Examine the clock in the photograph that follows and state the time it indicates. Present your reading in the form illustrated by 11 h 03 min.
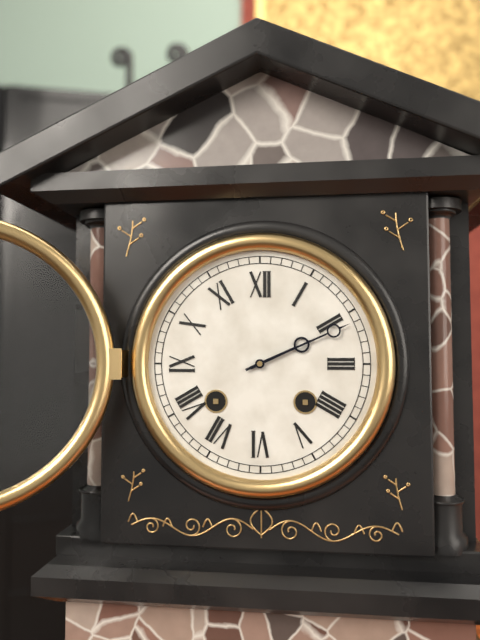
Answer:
2 h 11 min
